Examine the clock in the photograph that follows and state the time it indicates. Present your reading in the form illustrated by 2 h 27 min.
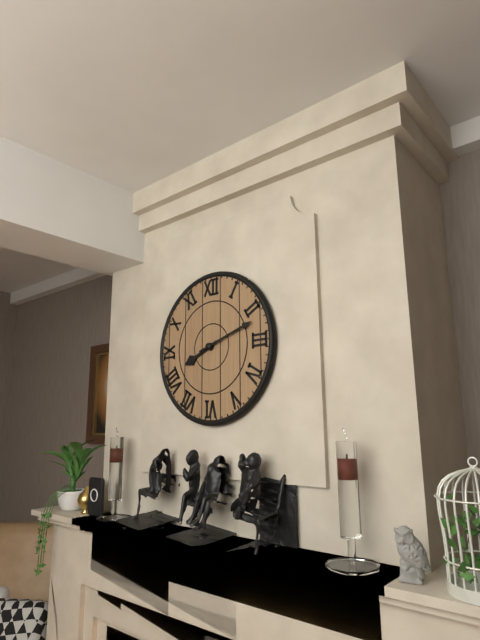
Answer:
8 h 12 min
